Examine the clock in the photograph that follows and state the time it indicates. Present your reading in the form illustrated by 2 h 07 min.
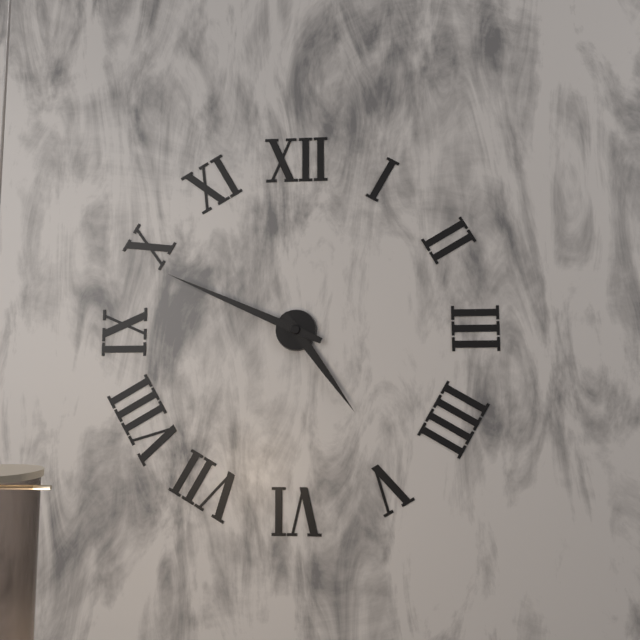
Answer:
4 h 49 min
